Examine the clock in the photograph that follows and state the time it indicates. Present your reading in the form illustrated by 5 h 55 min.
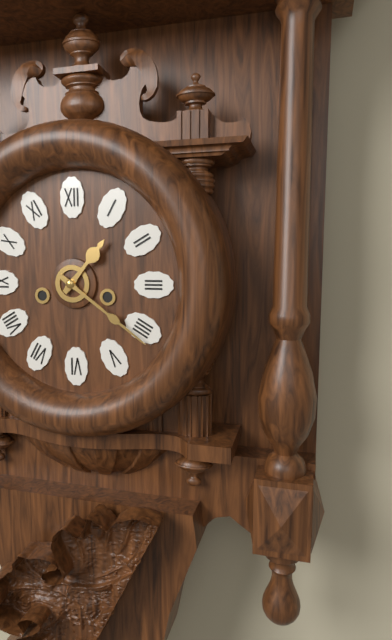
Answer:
1 h 21 min
